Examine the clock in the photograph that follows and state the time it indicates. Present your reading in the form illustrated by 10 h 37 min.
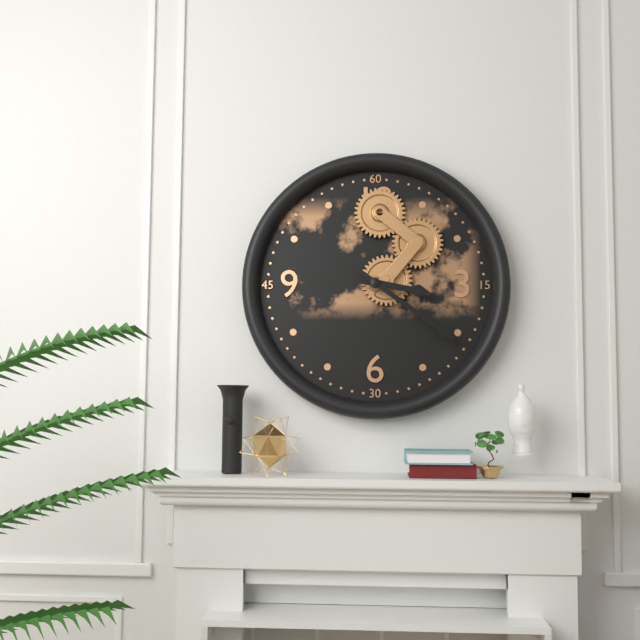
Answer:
3 h 21 min
